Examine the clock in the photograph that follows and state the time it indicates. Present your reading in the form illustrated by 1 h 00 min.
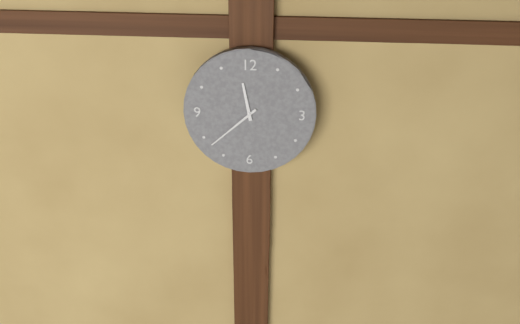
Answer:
11 h 38 min
